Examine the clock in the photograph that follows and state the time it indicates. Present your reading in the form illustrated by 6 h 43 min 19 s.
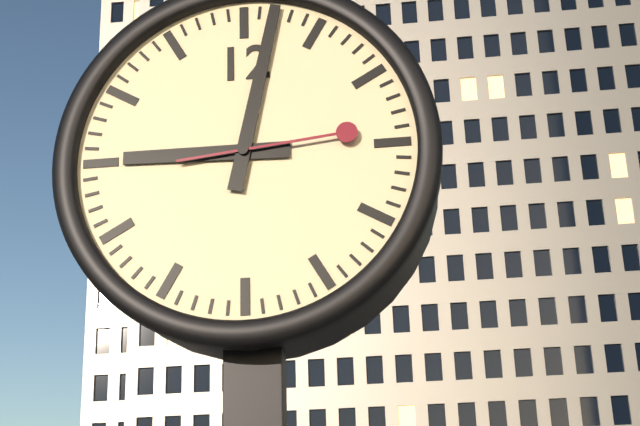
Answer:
9 h 02 min 14 s
